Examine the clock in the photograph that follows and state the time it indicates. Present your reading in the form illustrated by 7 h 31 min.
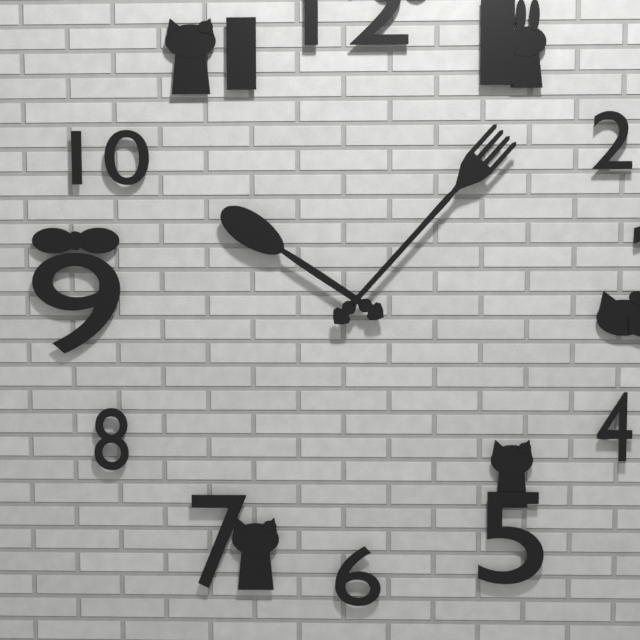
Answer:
10 h 07 min
